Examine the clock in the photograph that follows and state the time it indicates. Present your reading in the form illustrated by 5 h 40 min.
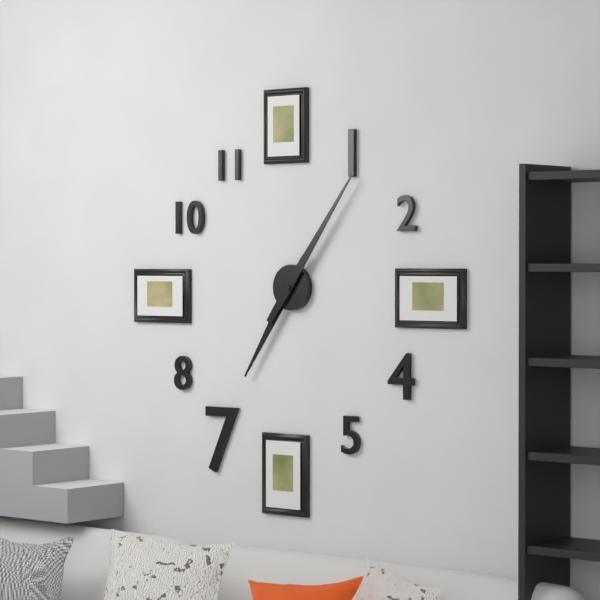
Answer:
7 h 06 min
